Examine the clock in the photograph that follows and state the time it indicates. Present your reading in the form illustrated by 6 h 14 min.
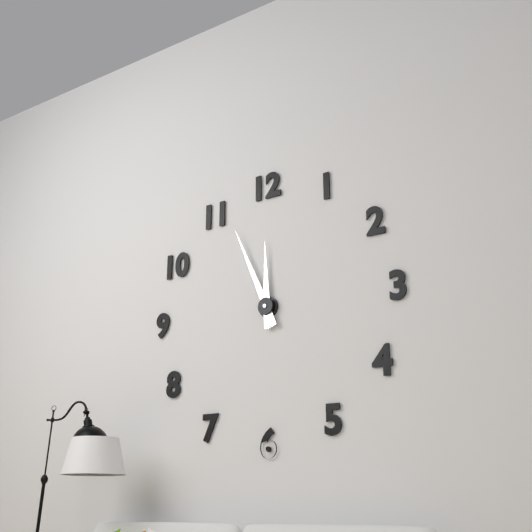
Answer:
11 h 56 min
